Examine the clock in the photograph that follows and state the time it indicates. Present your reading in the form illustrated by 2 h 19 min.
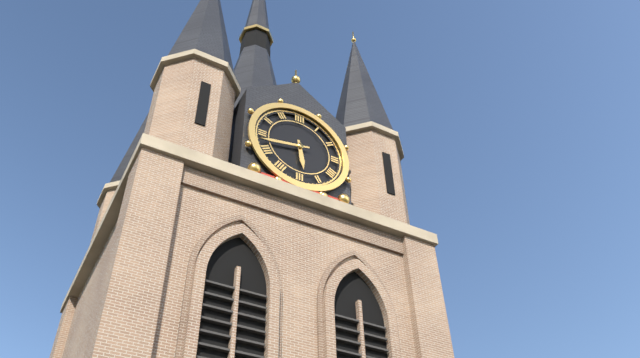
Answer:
5 h 43 min
